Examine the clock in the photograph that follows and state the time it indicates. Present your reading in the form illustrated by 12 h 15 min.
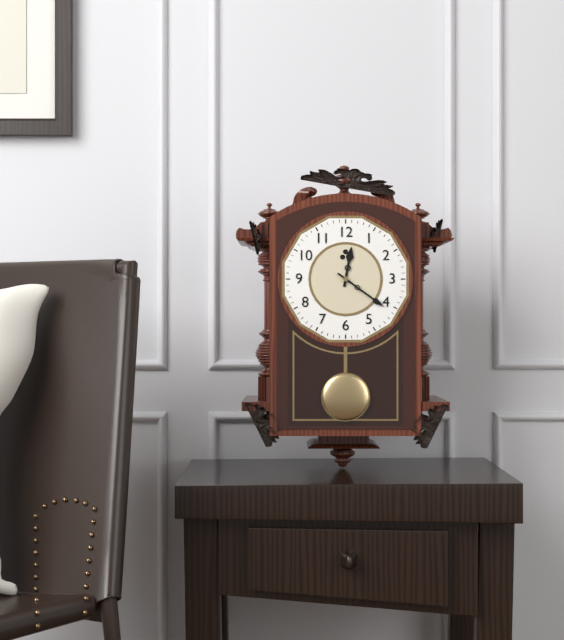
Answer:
12 h 21 min
